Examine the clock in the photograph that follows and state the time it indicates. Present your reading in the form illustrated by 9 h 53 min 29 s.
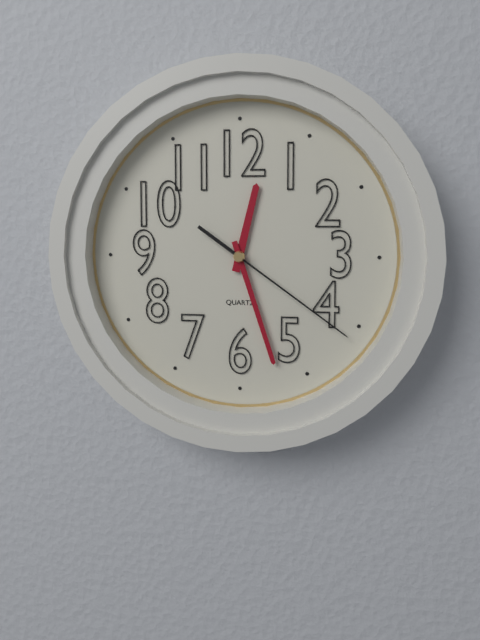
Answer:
12 h 27 min 21 s
